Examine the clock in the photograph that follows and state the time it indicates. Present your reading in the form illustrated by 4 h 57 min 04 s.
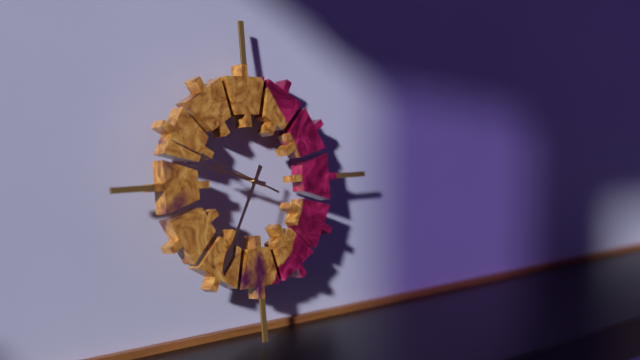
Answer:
9 h 35 min 49 s
